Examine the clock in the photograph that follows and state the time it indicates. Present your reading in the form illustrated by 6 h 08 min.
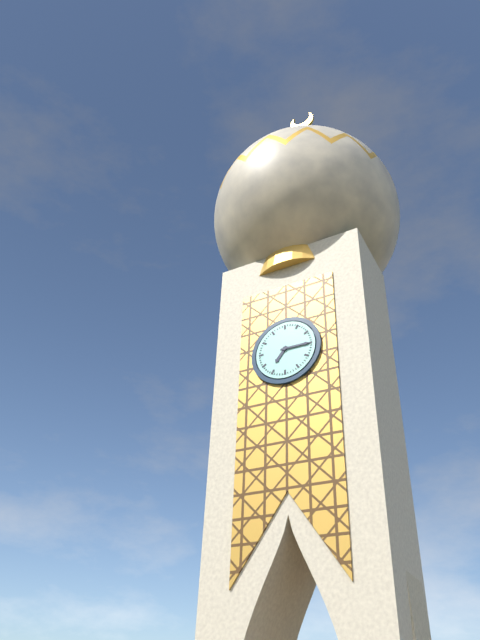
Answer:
7 h 15 min
